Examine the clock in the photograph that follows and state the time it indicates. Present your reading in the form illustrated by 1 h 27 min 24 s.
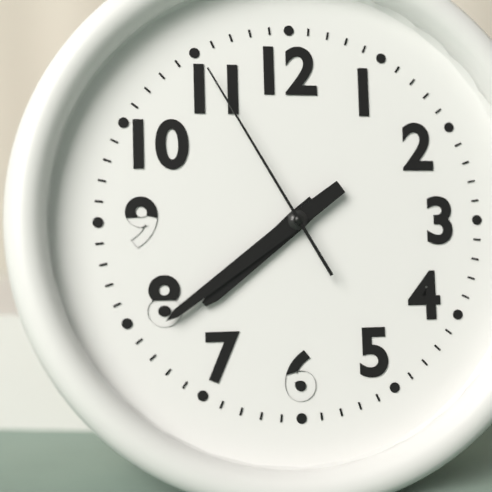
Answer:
7 h 39 min 55 s
